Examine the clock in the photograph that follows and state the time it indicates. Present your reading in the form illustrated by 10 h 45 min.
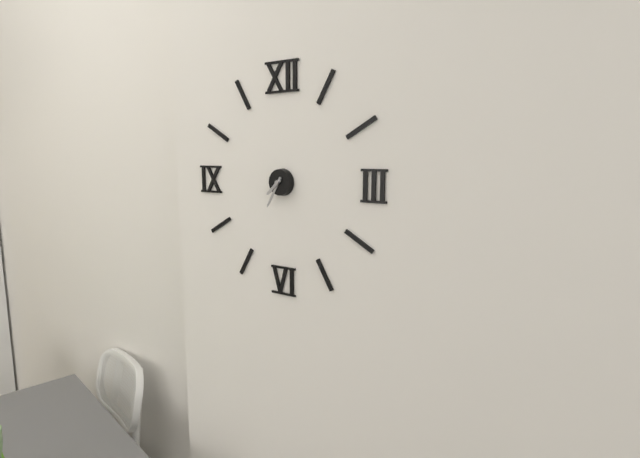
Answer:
7 h 35 min
